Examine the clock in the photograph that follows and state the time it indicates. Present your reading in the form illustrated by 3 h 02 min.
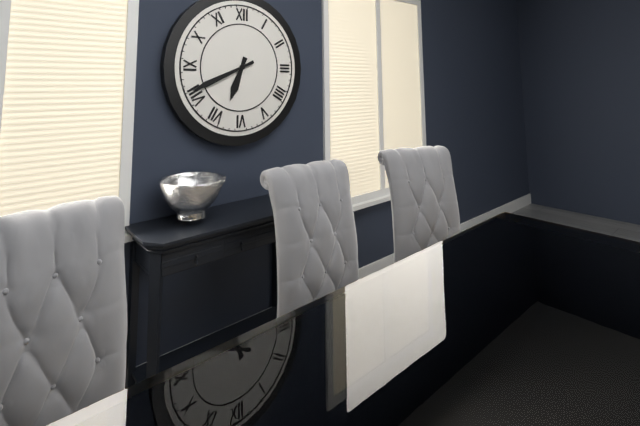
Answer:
6 h 41 min
